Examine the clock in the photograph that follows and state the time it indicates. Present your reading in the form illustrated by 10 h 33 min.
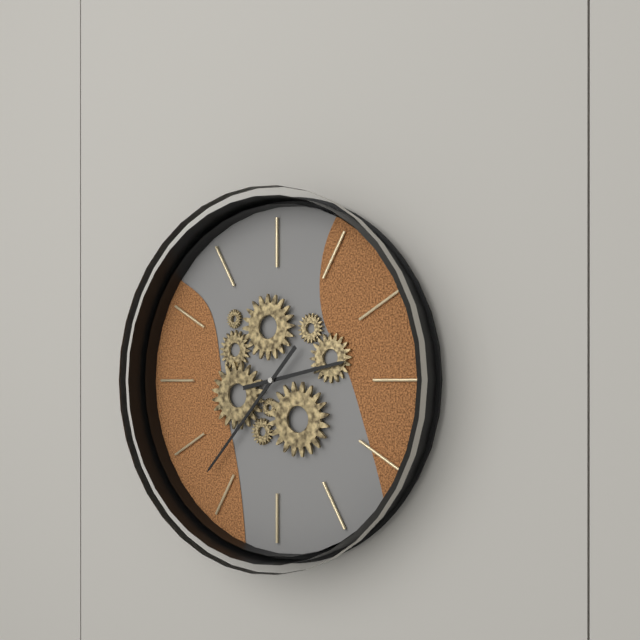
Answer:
2 h 37 min
